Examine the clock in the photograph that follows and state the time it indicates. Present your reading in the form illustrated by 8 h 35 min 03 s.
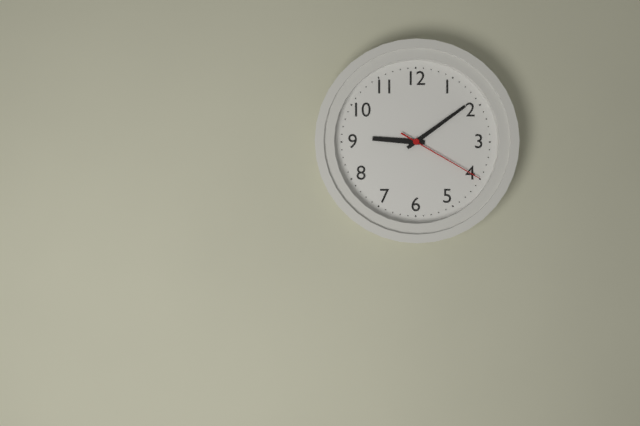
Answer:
9 h 09 min 20 s
